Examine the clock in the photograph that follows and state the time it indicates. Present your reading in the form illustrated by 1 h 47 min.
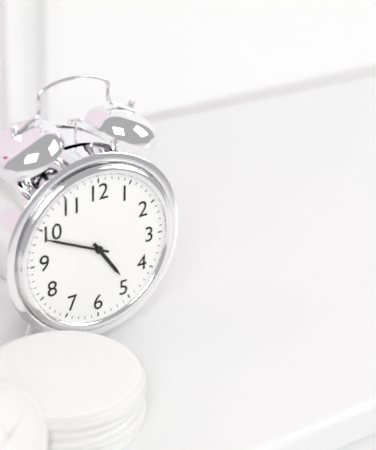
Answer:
4 h 49 min
